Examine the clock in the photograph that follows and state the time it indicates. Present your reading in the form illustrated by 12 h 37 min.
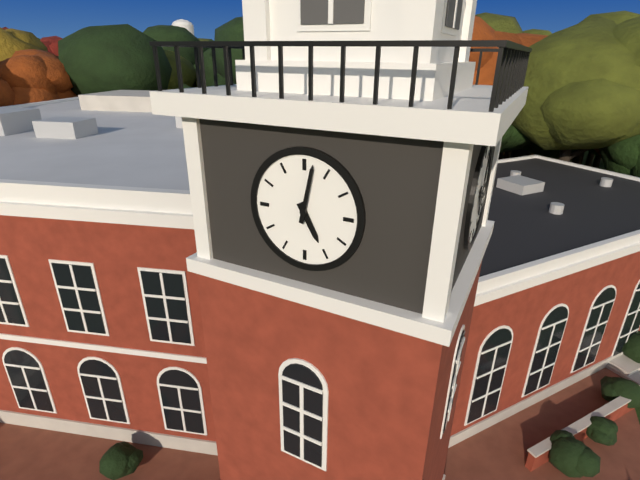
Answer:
5 h 02 min
